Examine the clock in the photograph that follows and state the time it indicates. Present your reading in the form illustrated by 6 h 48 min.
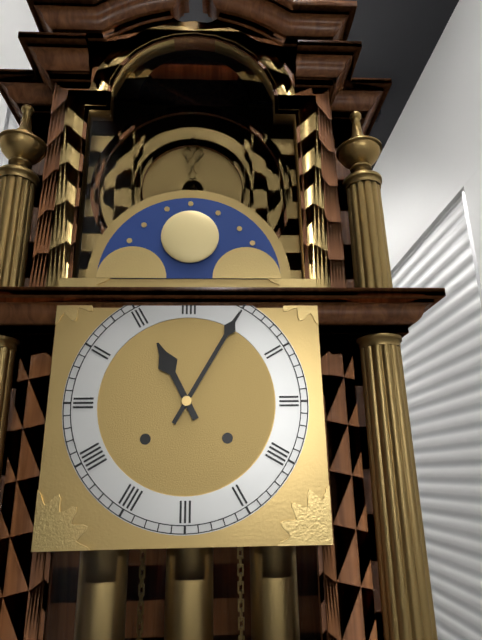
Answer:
11 h 05 min
